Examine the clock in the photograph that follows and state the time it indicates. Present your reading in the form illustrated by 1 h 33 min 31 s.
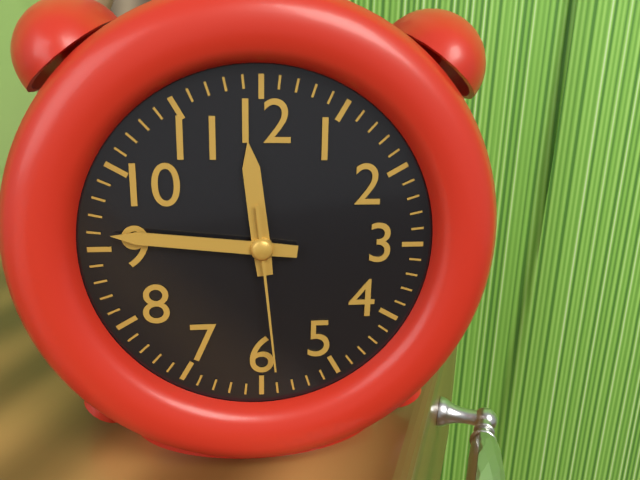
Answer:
11 h 46 min 29 s
